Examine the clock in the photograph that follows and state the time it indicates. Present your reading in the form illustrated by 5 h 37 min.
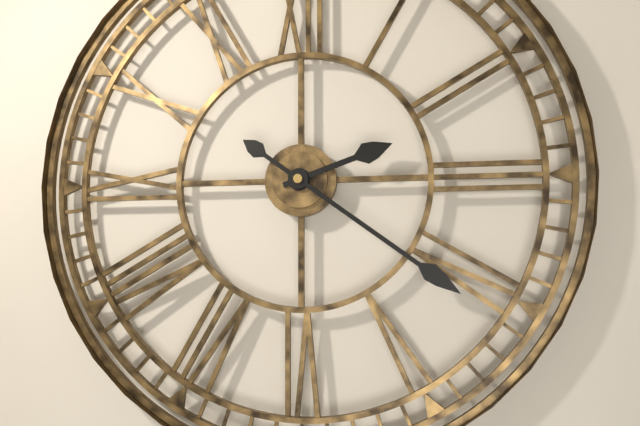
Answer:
2 h 21 min
